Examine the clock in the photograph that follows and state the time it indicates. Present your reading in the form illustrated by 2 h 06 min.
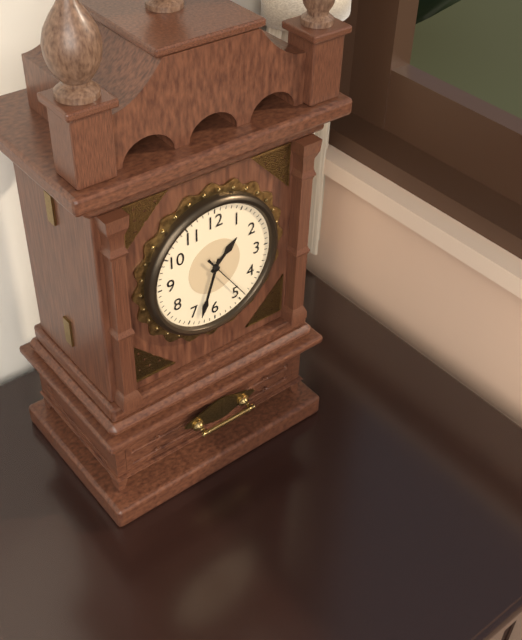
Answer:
1 h 33 min
